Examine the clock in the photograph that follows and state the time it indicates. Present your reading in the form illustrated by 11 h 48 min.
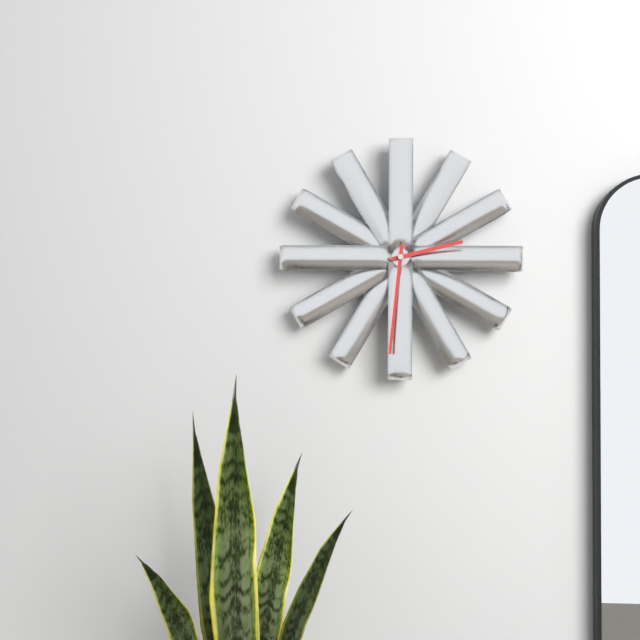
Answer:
2 h 31 min
